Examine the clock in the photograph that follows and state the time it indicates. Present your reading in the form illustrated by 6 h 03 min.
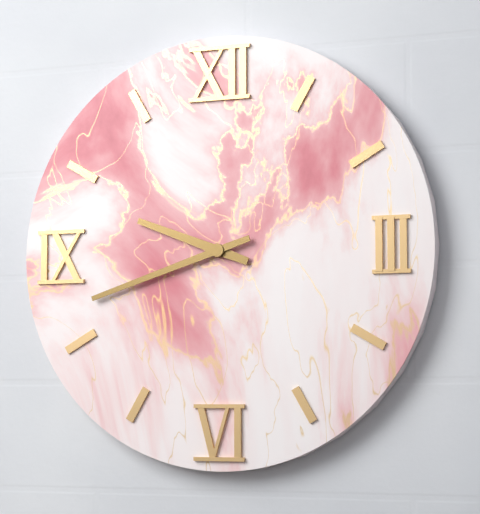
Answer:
9 h 42 min
